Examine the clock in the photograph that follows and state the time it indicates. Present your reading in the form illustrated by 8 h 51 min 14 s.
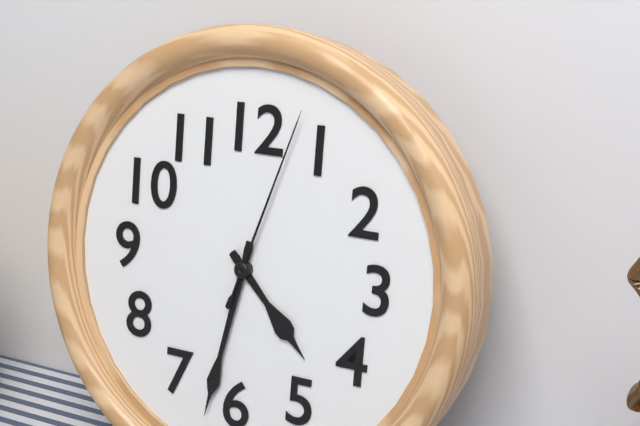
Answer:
4 h 32 min 03 s
